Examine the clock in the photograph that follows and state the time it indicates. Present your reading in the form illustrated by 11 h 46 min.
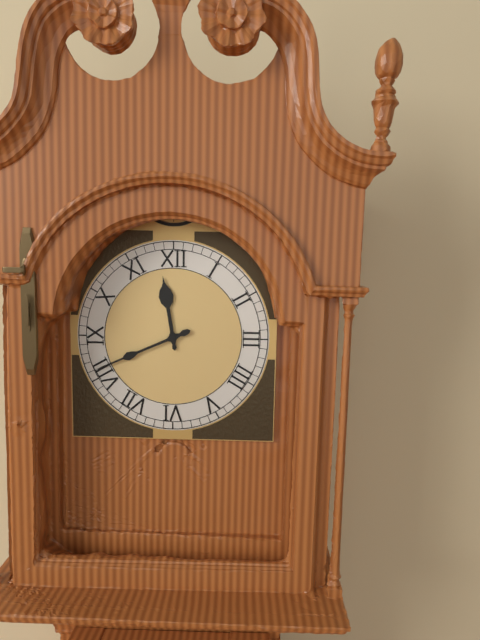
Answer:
11 h 41 min
